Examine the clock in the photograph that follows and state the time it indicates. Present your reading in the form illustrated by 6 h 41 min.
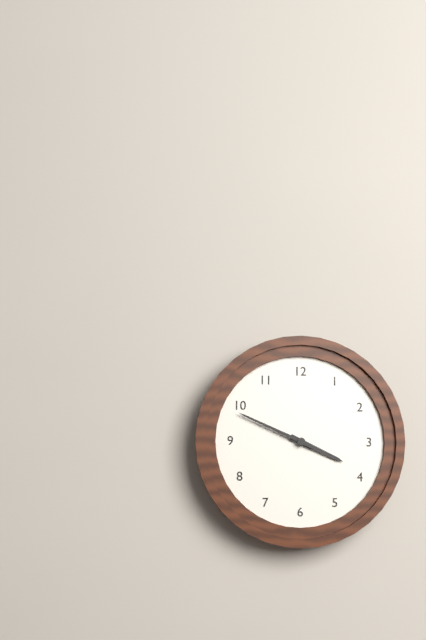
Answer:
3 h 49 min
